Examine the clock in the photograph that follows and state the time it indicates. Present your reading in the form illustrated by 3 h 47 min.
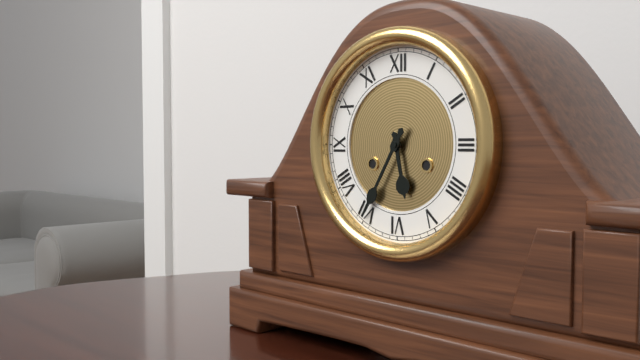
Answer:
5 h 35 min
